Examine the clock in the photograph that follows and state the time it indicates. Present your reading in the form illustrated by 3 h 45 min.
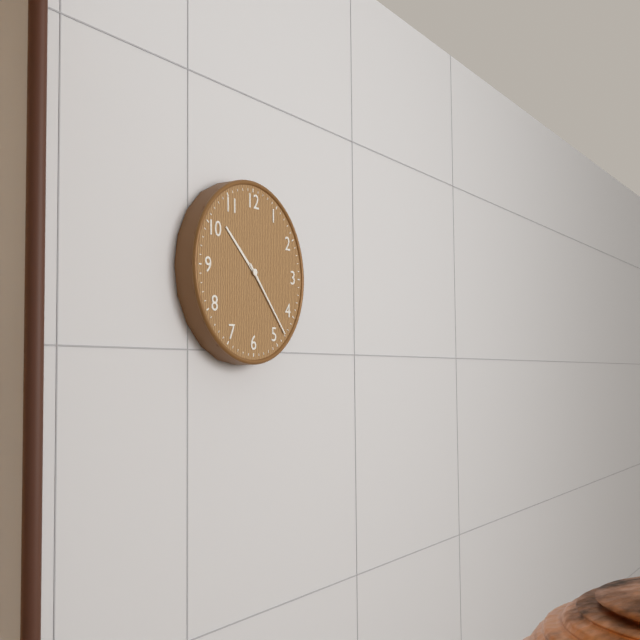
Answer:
10 h 23 min
